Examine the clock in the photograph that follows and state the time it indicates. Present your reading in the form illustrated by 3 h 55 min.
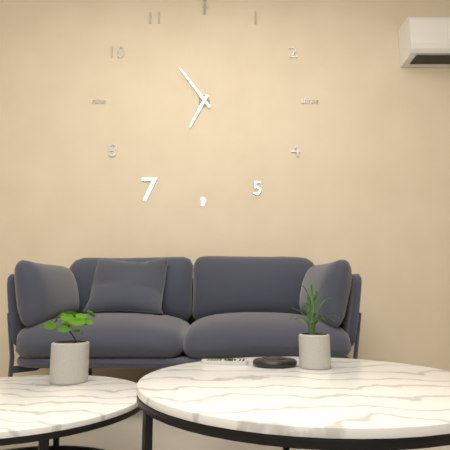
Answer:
6 h 54 min
